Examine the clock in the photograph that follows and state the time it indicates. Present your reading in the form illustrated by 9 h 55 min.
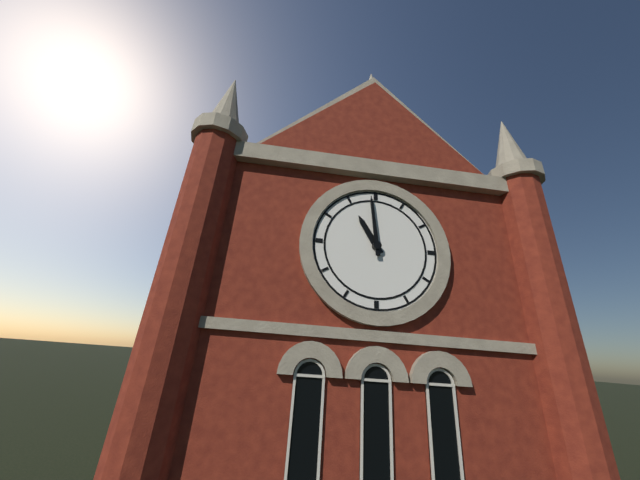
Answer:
10 h 59 min
